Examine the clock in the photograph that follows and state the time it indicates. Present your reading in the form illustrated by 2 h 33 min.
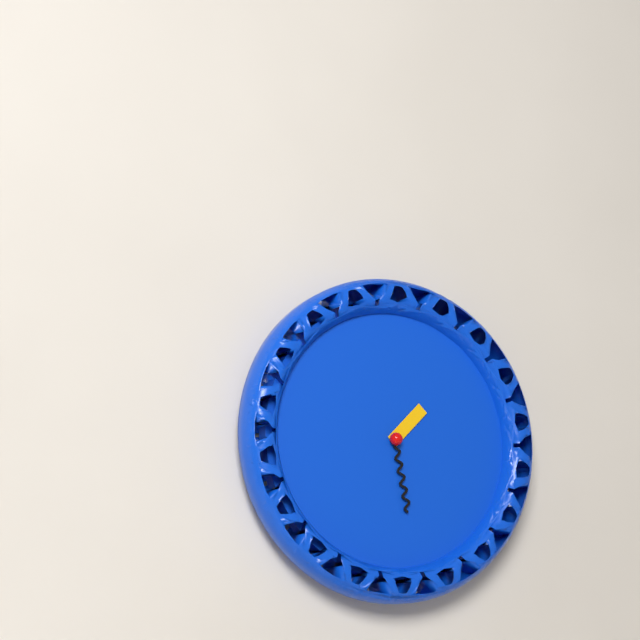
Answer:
1 h 28 min
